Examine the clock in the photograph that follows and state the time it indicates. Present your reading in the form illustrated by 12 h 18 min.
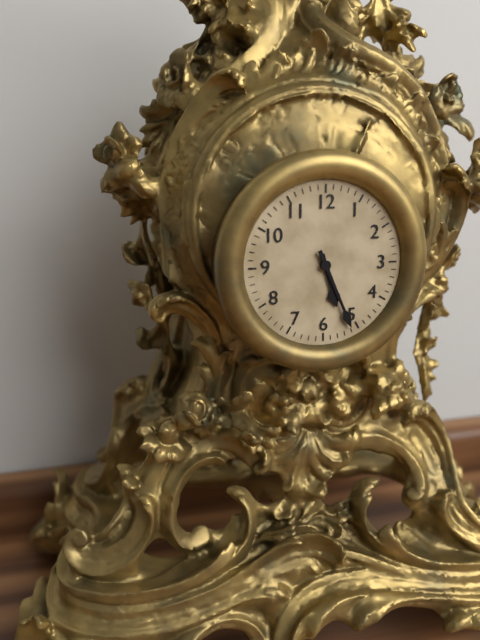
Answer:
5 h 26 min
